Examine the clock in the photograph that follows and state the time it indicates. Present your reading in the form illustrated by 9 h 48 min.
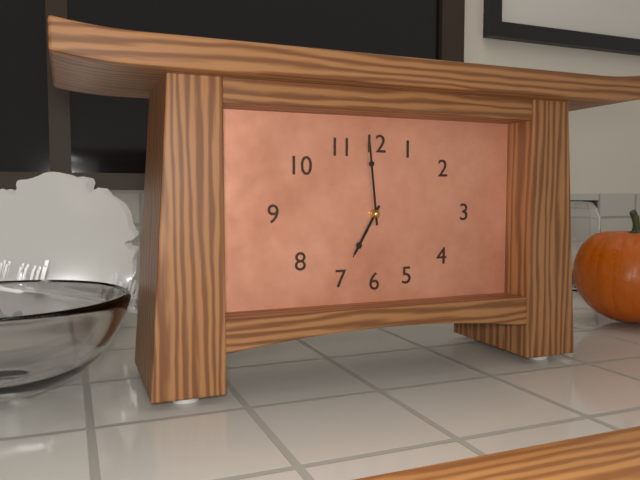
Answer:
6 h 59 min
